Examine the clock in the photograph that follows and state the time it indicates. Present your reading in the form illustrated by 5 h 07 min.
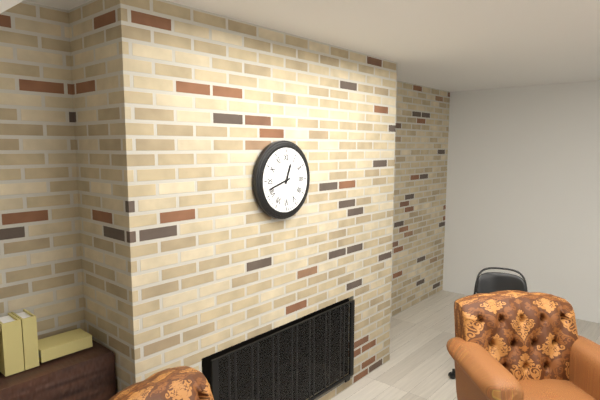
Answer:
12 h 42 min
